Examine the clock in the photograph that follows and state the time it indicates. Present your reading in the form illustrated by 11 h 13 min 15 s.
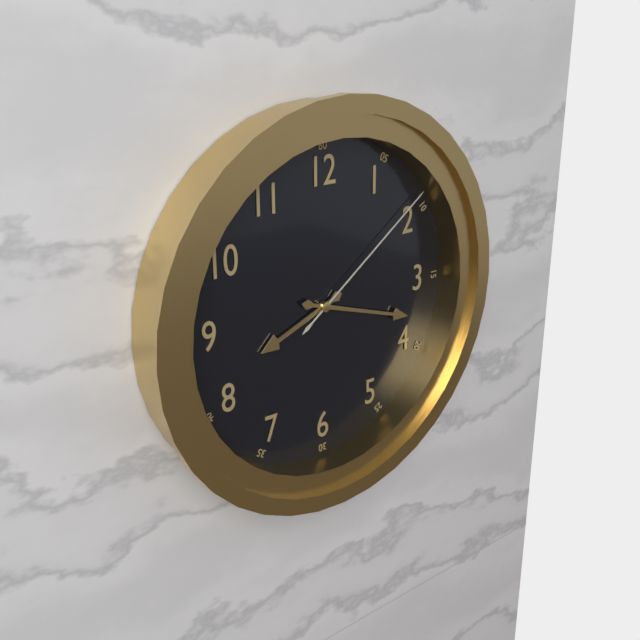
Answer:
8 h 18 min 09 s
